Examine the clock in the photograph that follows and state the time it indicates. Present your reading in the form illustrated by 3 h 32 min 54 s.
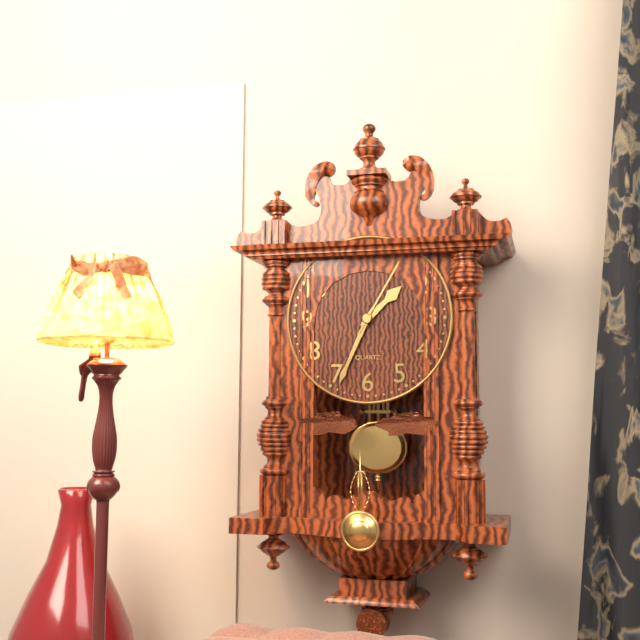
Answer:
1 h 34 min 05 s
